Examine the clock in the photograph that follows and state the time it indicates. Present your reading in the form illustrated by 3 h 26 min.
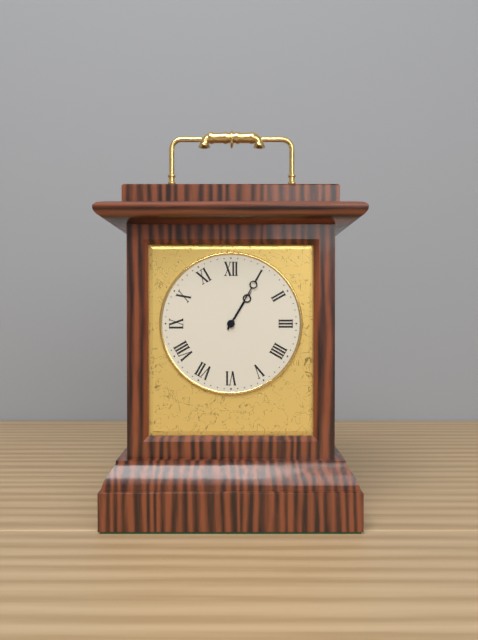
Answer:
1 h 05 min
